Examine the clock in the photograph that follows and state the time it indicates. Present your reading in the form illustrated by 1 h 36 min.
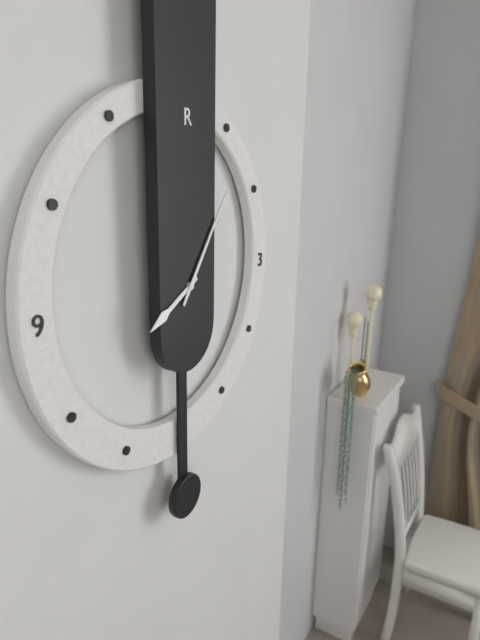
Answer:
8 h 06 min
